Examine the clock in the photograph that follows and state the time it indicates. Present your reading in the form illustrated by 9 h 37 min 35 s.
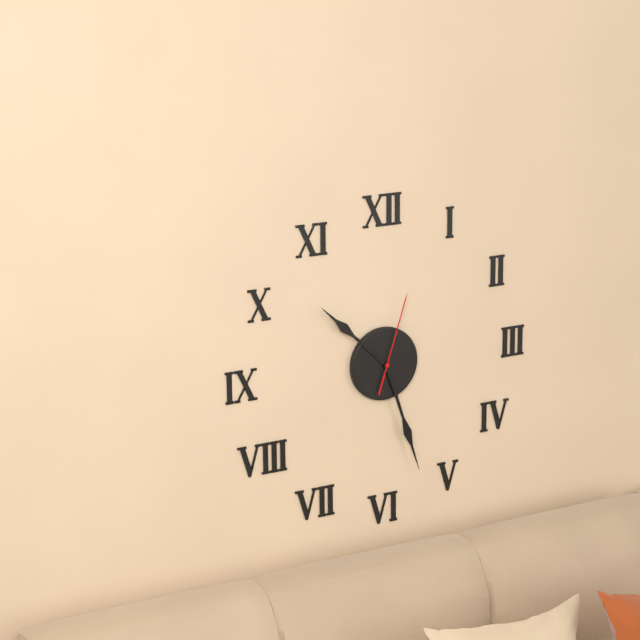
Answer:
10 h 27 min 03 s
